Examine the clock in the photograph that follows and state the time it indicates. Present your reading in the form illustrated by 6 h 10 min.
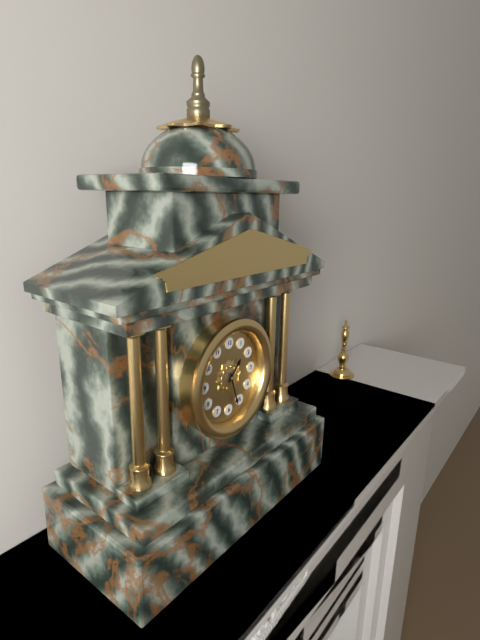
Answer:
1 h 27 min
